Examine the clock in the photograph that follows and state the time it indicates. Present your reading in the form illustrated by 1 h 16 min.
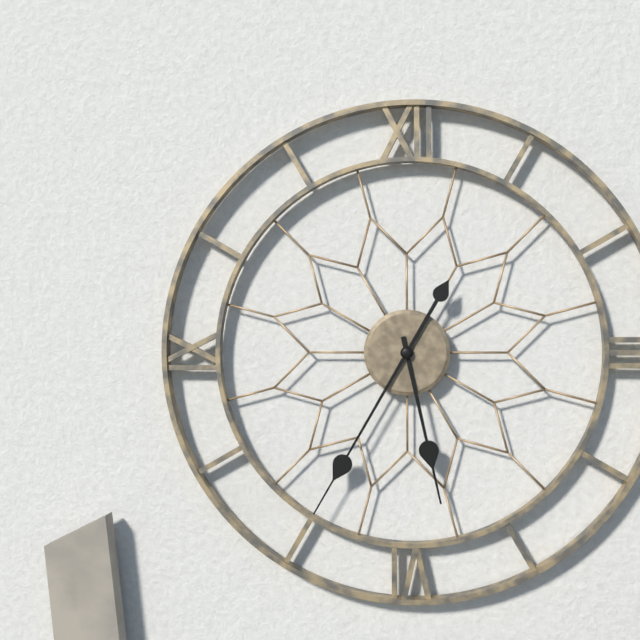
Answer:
5 h 35 min
